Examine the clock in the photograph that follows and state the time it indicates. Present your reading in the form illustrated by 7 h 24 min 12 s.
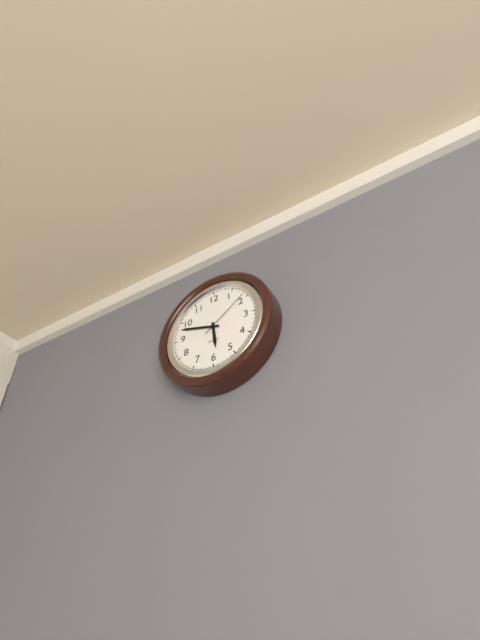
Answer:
5 h 48 min 09 s
